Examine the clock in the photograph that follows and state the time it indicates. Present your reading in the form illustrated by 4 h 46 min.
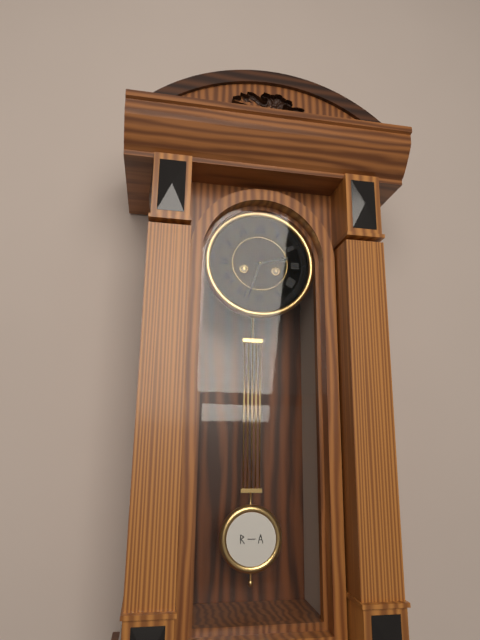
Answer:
2 h 33 min
